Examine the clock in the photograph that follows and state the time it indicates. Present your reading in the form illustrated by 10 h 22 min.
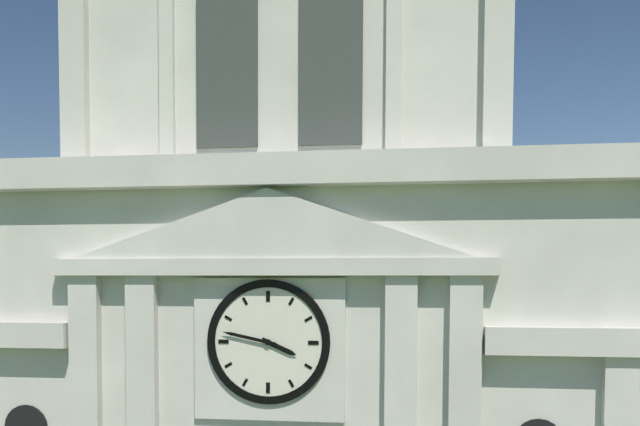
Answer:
3 h 47 min
